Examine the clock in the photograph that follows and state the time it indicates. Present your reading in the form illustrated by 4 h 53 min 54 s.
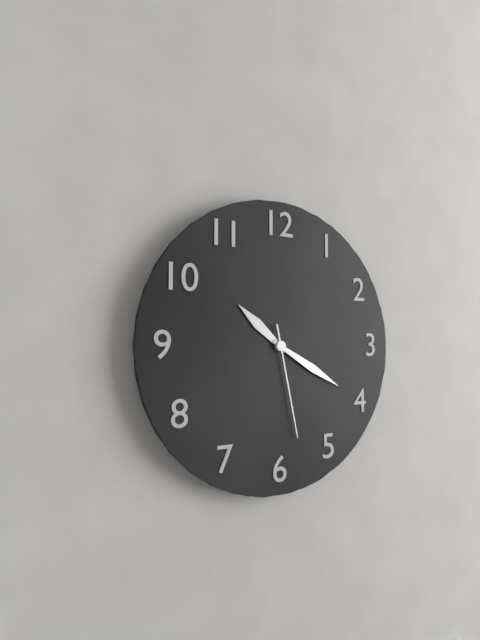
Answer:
10 h 20 min 28 s
